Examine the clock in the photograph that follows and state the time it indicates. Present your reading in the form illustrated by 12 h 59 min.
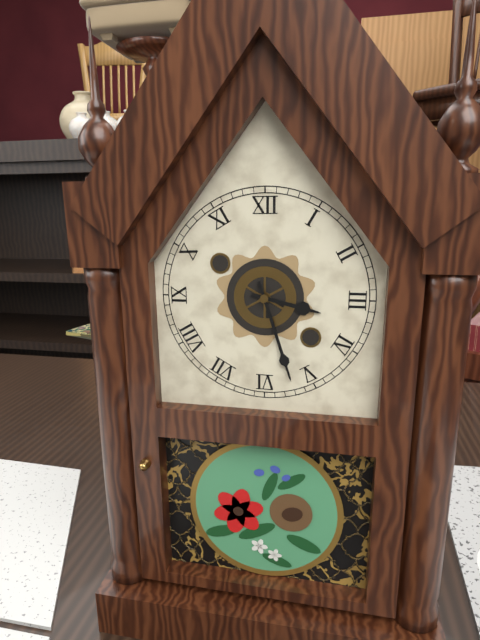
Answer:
3 h 27 min
